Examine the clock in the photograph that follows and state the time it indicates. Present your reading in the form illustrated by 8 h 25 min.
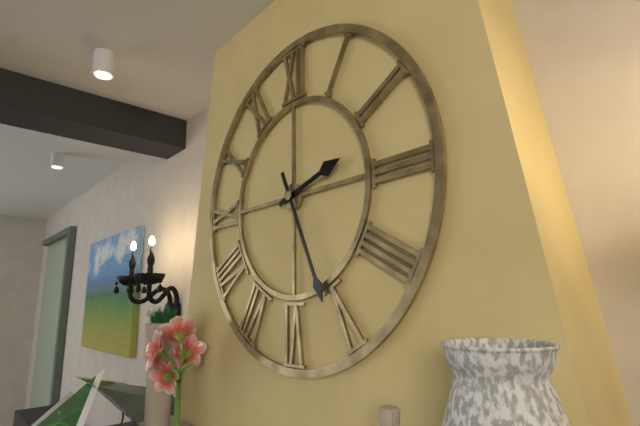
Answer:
2 h 26 min
